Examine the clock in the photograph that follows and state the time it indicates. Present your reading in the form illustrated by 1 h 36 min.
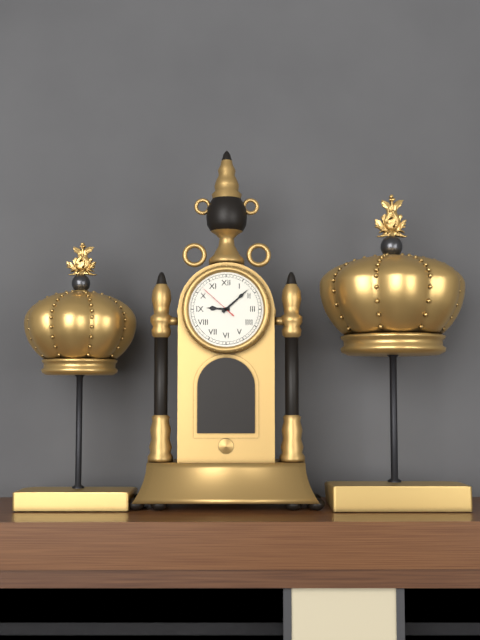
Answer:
9 h 08 min
